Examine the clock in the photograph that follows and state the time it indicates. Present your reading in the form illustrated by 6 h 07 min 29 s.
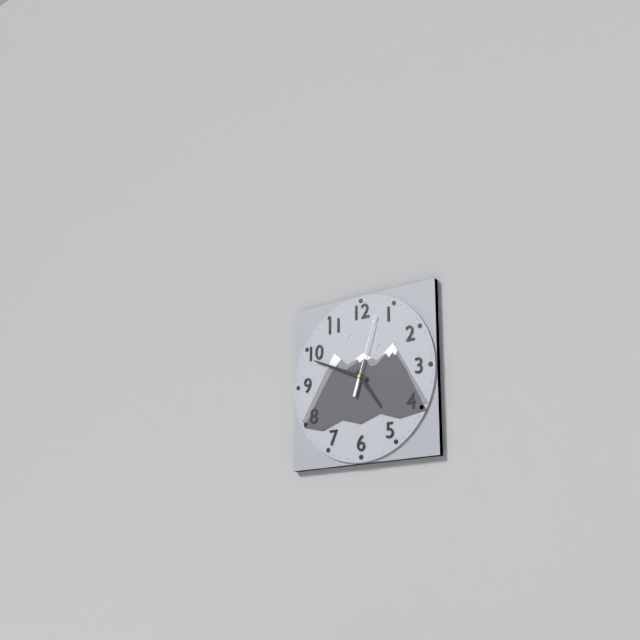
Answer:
4 h 49 min 03 s
